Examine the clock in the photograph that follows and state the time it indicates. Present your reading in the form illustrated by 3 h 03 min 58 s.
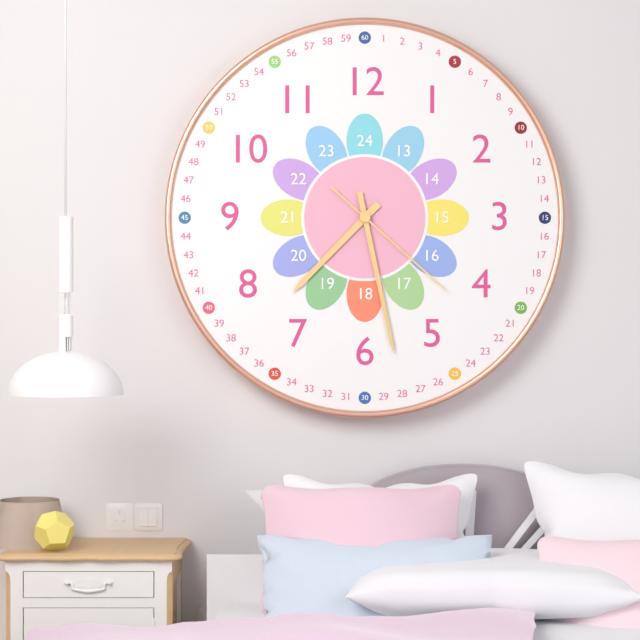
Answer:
7 h 28 min 22 s
